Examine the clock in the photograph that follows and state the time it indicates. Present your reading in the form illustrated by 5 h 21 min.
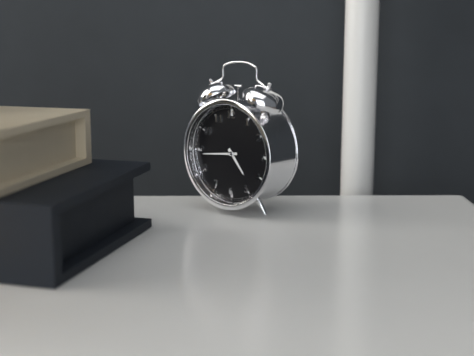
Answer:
4 h 44 min
